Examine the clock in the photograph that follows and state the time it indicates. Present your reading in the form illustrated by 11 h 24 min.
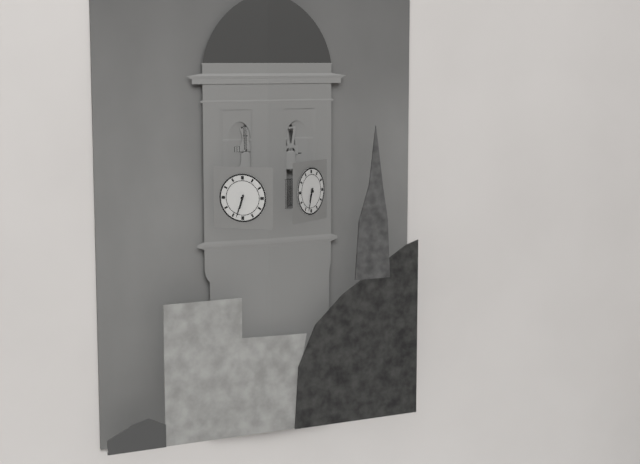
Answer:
6 h 33 min
